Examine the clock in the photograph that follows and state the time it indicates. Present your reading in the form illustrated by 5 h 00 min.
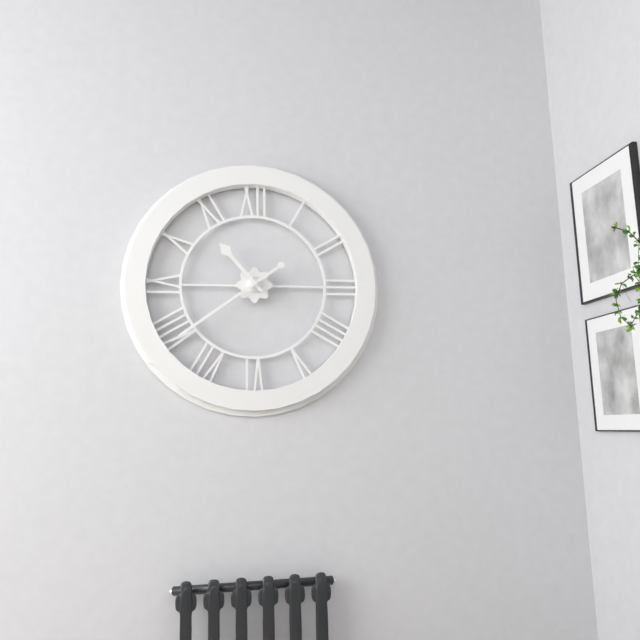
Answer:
10 h 39 min
